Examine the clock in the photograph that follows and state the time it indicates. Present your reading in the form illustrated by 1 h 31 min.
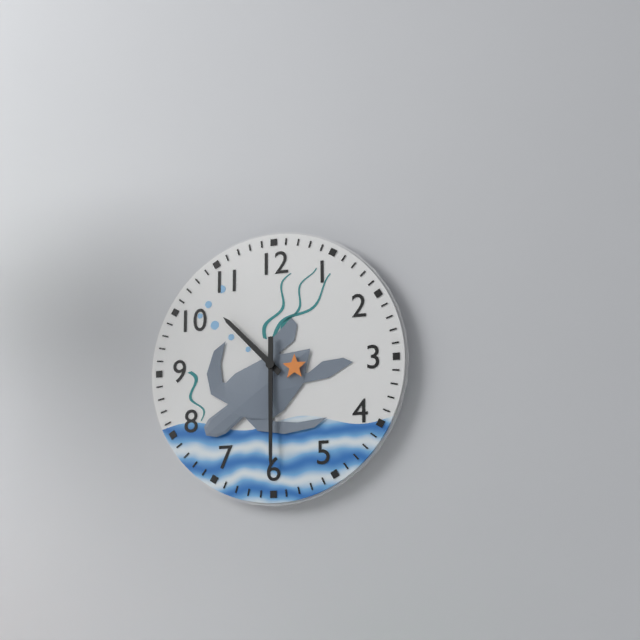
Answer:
10 h 30 min
